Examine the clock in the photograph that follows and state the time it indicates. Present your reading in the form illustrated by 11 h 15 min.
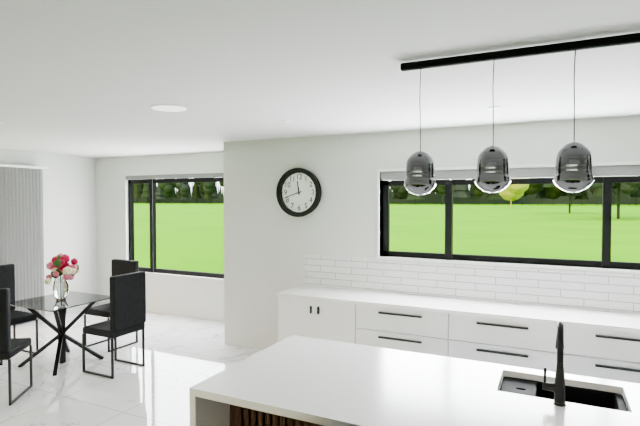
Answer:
11 h 42 min
